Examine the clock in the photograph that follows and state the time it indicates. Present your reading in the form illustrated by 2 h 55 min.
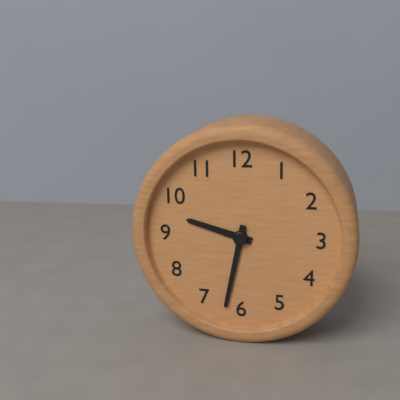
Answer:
9 h 32 min
